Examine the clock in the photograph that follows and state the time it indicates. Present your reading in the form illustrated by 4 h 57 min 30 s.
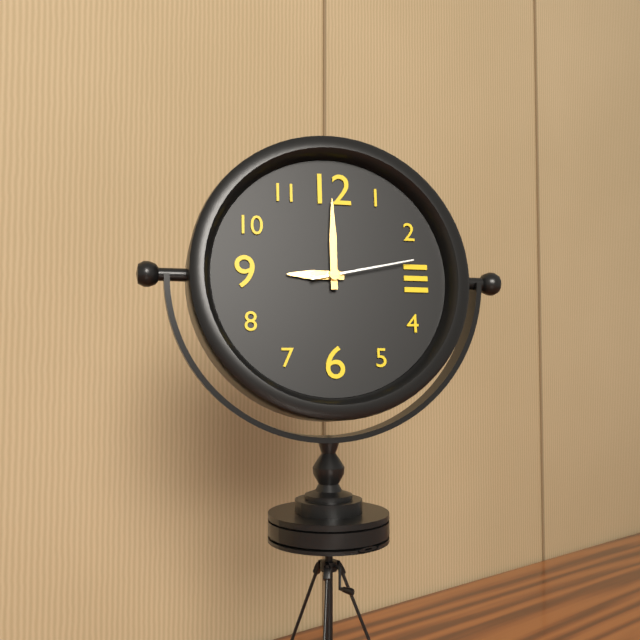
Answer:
9 h 00 min 13 s
